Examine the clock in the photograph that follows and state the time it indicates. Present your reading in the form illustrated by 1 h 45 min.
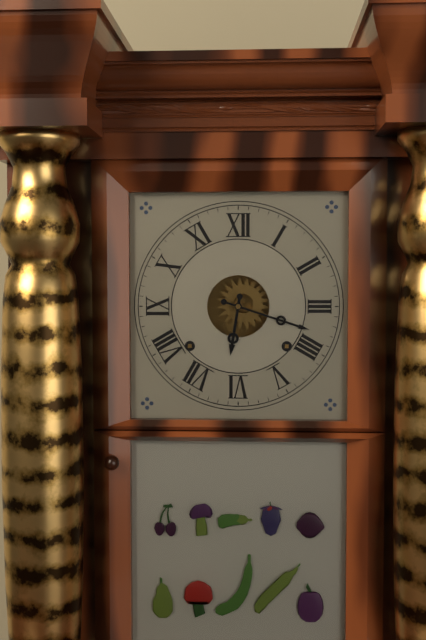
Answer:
6 h 18 min
